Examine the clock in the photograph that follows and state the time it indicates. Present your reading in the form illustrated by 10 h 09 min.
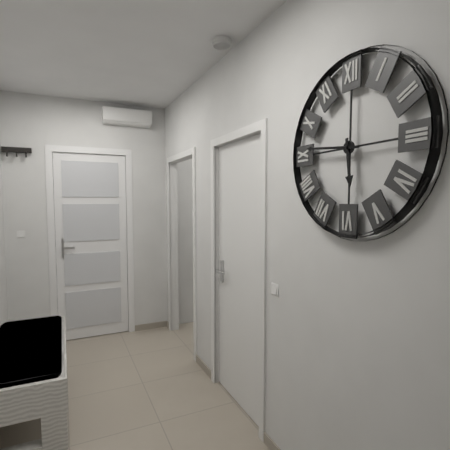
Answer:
5 h 46 min
